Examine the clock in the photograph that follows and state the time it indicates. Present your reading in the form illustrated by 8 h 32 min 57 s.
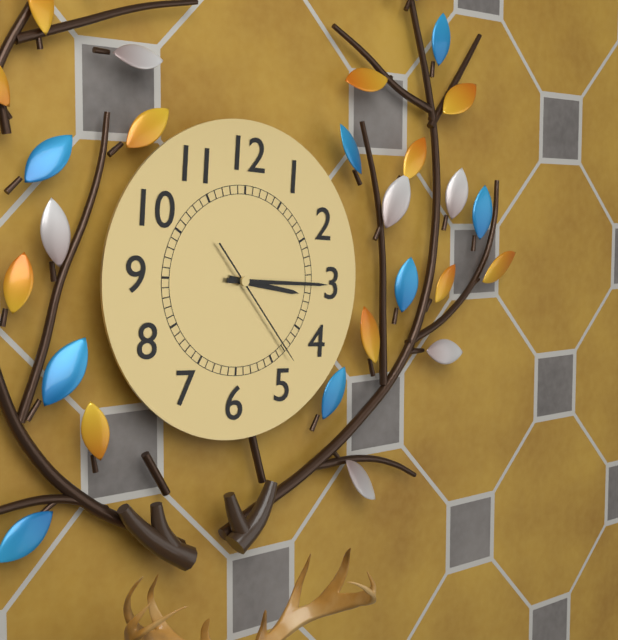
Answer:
3 h 15 min 23 s
